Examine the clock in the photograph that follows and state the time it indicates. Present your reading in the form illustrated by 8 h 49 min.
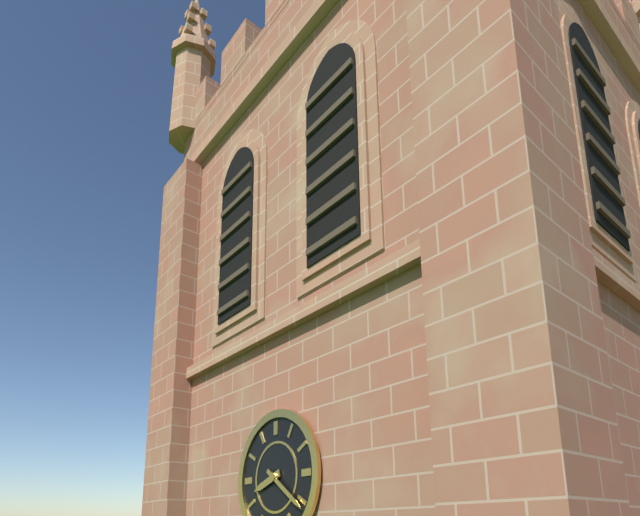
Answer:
8 h 21 min
